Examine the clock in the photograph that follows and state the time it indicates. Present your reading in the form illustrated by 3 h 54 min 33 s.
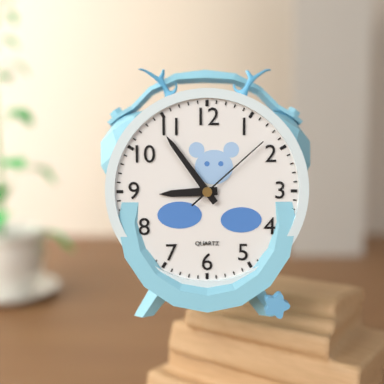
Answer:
8 h 54 min 08 s
